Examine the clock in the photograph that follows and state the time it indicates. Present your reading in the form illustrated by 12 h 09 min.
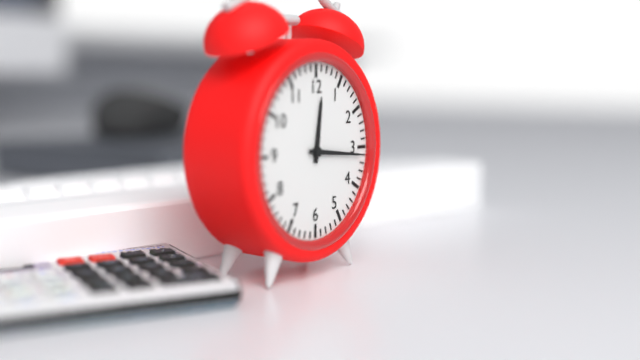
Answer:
12 h 16 min
